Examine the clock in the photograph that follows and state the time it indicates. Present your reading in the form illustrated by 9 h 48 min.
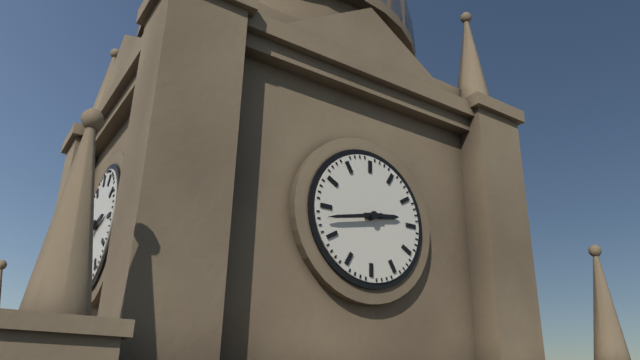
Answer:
2 h 43 min
